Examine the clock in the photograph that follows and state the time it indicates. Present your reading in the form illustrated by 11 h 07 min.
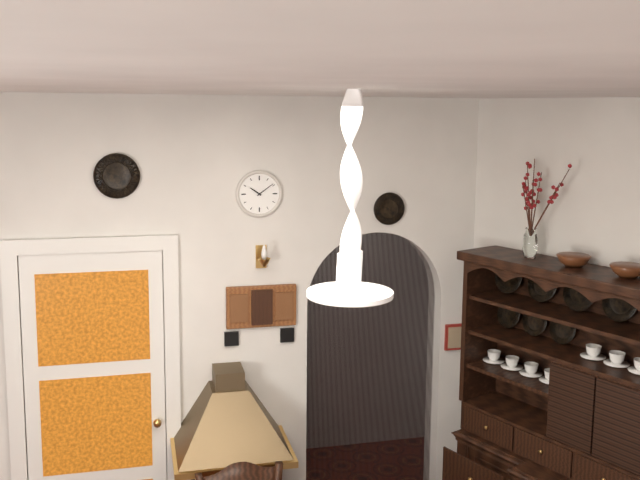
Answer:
10 h 09 min
